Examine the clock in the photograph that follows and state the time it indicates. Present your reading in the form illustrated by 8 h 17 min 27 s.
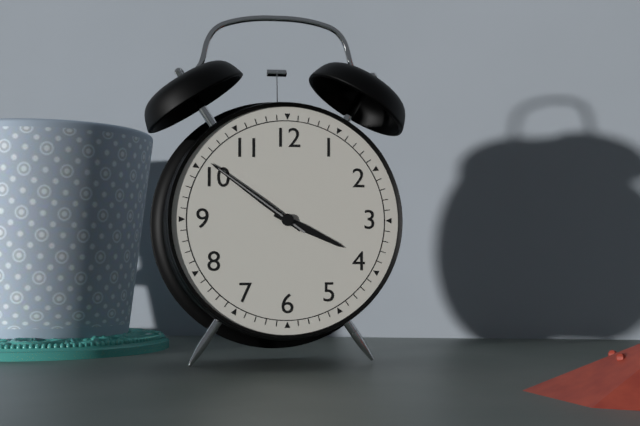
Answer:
3 h 51 min 51 s
